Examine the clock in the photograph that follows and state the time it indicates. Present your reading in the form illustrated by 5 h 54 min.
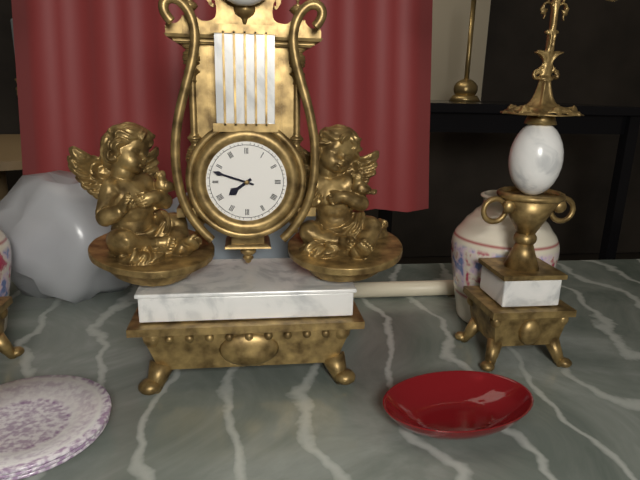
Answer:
7 h 48 min
